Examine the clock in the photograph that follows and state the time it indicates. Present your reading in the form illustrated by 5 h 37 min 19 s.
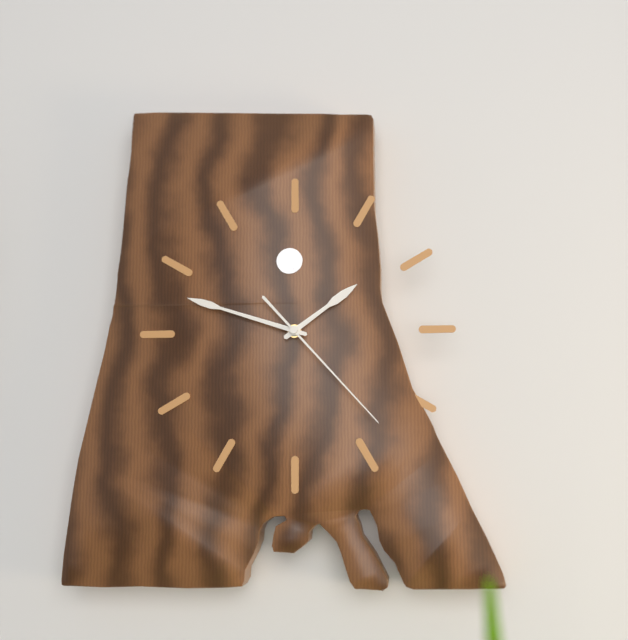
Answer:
1 h 48 min 23 s
